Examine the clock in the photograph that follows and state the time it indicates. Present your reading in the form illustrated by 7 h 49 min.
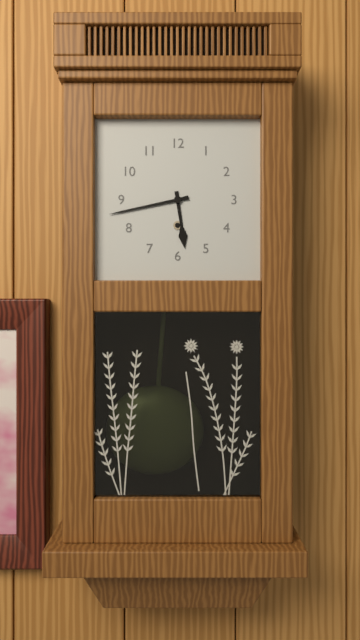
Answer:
5 h 43 min
